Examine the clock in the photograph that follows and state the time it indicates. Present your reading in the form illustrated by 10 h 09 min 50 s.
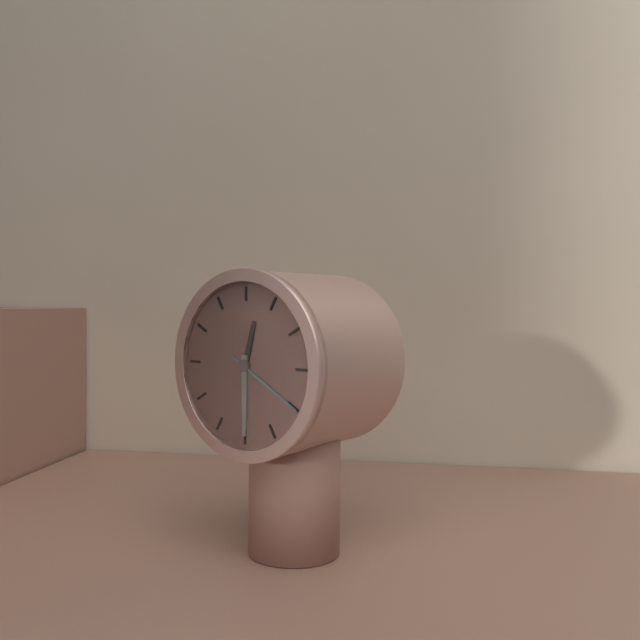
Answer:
12 h 30 min 20 s
